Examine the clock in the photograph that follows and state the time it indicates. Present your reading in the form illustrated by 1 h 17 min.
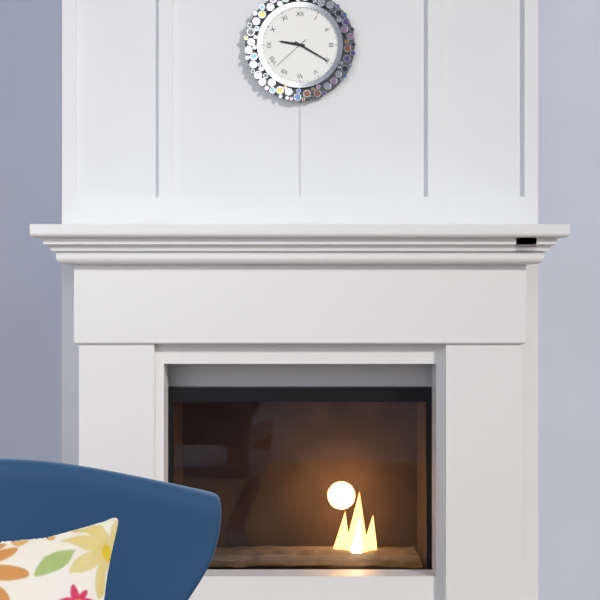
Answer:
9 h 20 min
